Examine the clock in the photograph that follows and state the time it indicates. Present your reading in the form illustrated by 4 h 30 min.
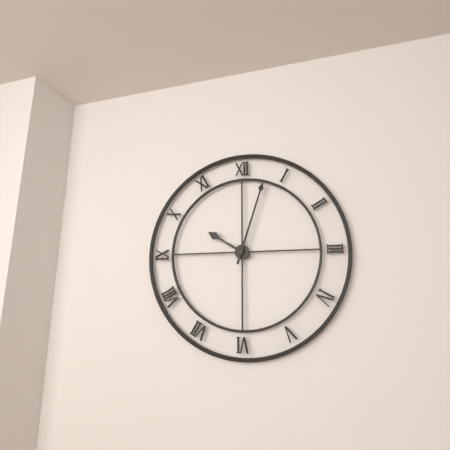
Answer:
10 h 03 min
